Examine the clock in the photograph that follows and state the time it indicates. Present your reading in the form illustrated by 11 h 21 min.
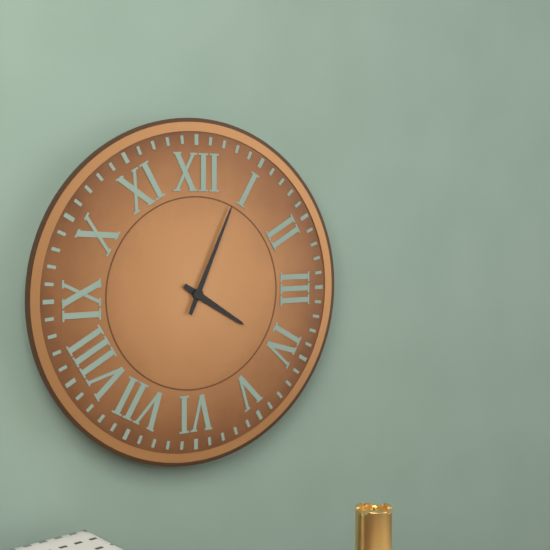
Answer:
4 h 04 min
